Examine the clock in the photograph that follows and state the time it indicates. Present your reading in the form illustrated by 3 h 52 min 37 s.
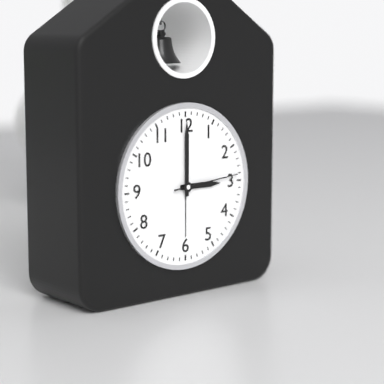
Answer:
3 h 00 min 14 s
